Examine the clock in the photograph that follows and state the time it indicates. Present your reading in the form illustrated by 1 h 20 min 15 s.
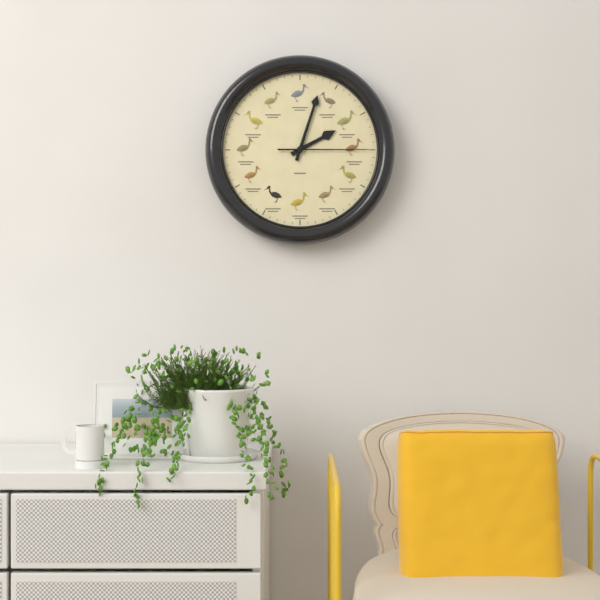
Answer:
2 h 03 min 15 s
